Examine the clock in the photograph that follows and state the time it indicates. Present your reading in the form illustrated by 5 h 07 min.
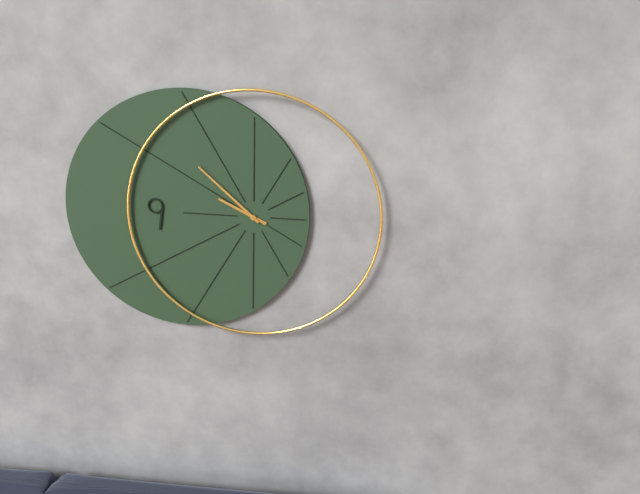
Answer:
9 h 52 min
